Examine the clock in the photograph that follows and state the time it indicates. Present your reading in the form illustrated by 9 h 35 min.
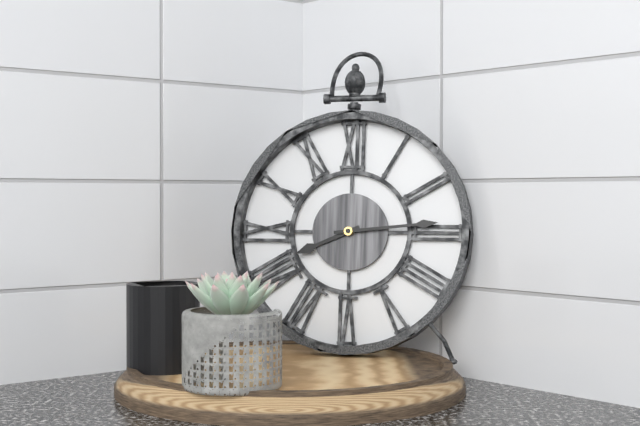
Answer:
8 h 14 min
